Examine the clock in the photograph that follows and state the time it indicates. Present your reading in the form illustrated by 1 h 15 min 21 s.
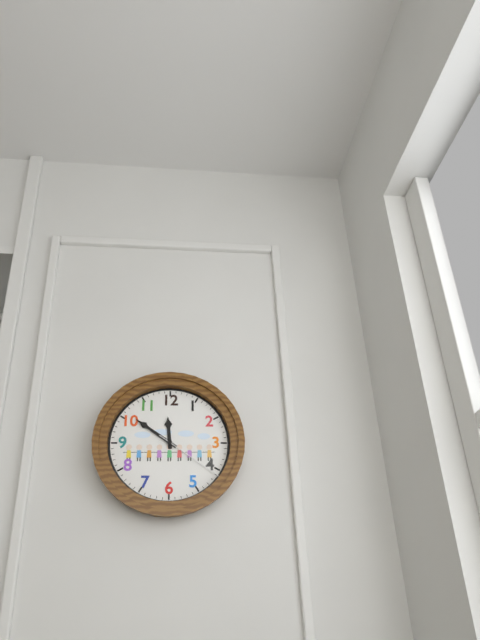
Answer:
11 h 51 min 21 s
